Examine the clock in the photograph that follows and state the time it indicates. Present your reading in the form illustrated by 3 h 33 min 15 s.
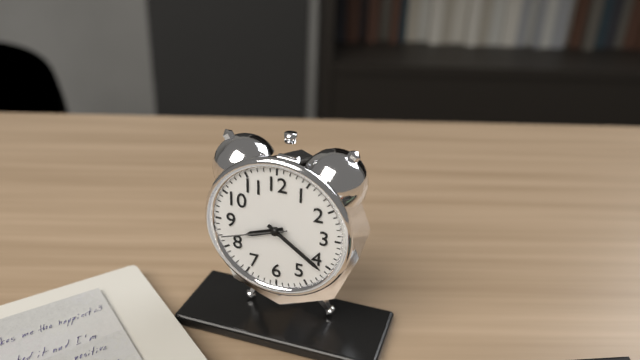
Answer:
8 h 21 min 42 s
